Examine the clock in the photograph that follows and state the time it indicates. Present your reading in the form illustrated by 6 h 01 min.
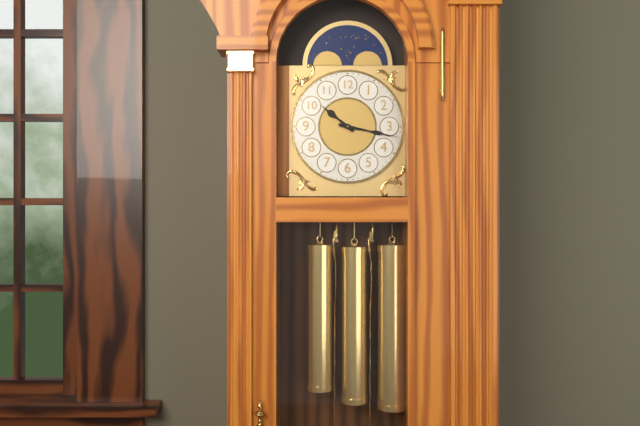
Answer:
10 h 17 min
